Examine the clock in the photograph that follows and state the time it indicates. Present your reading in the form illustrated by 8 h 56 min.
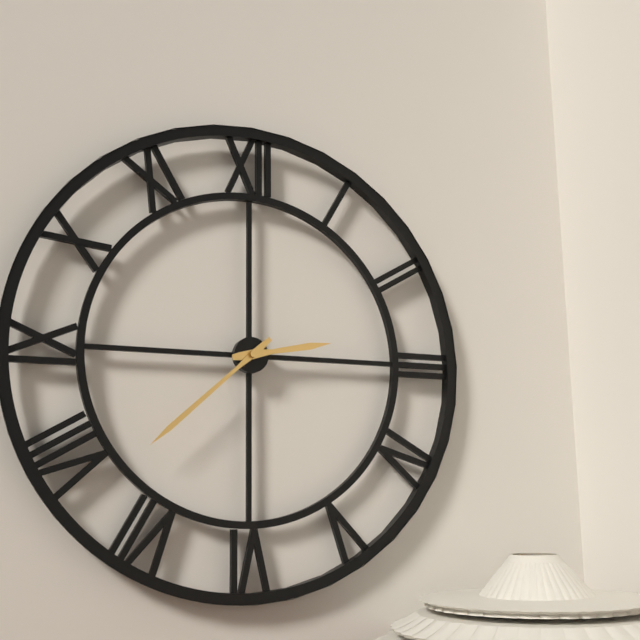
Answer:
2 h 38 min
